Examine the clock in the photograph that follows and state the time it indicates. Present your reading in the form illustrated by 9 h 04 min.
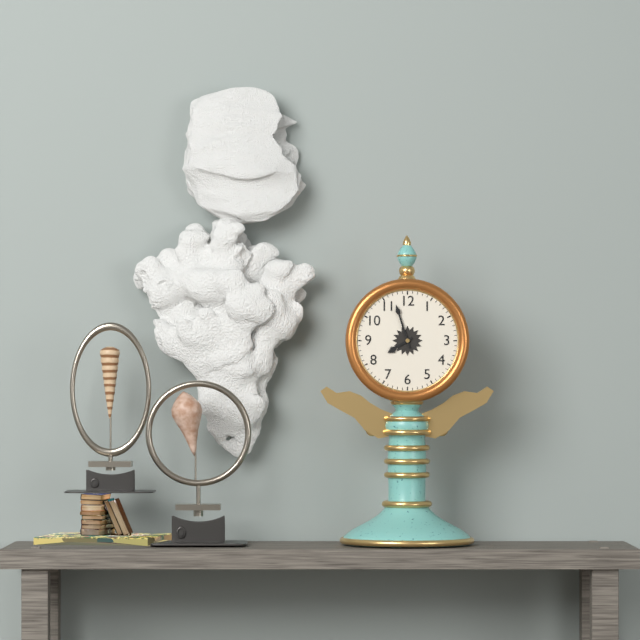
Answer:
7 h 57 min
